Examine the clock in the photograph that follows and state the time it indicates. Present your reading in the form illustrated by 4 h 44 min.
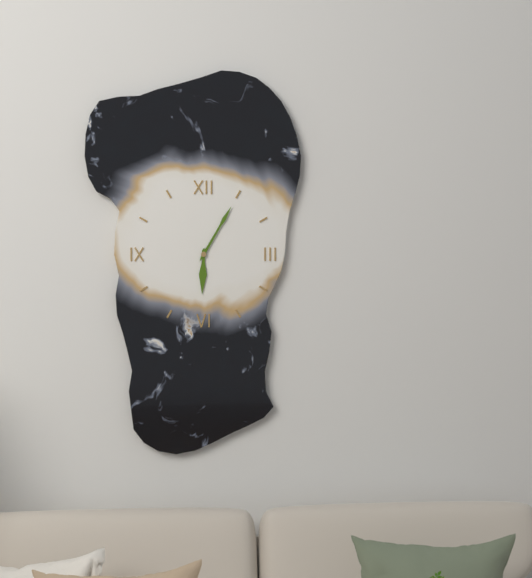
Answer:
6 h 05 min
